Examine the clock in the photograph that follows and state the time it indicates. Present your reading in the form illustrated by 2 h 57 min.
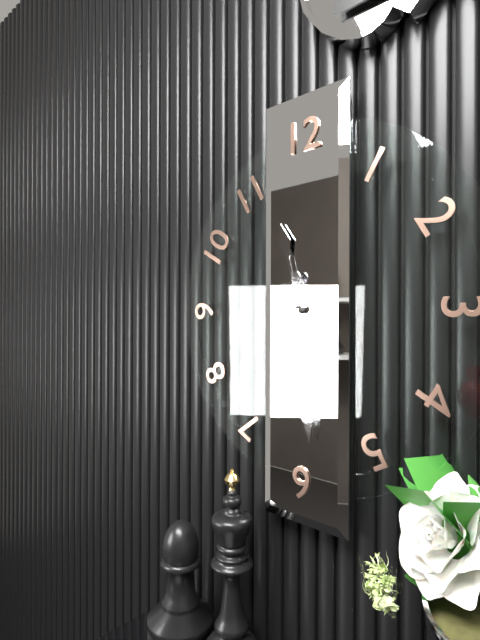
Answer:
11 h 29 min
